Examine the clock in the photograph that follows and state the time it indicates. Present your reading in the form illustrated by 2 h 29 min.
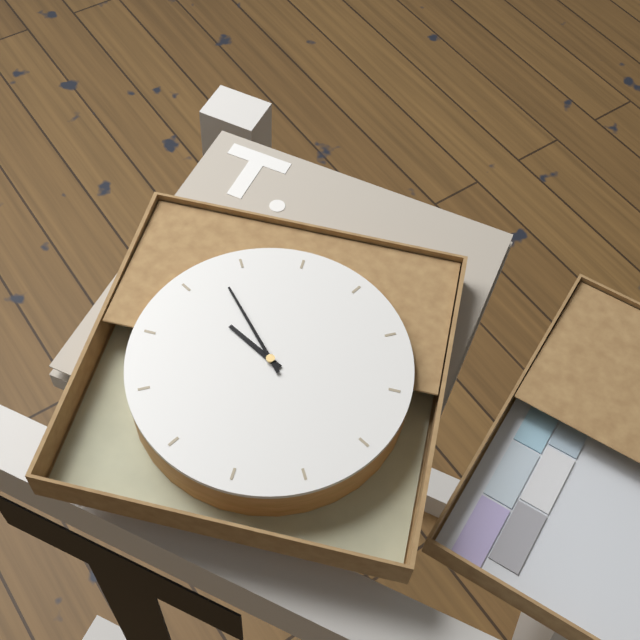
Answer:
10 h 58 min
